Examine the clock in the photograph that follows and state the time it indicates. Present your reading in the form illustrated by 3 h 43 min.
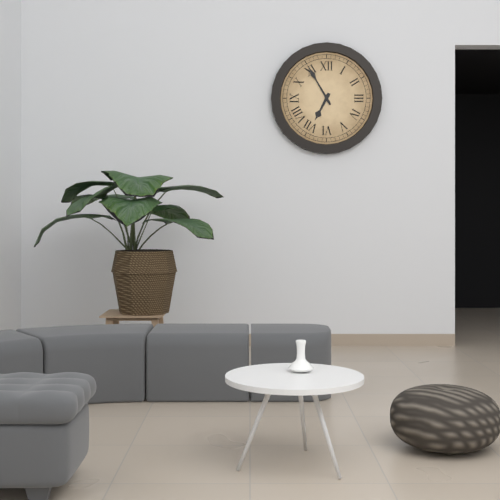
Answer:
6 h 55 min
